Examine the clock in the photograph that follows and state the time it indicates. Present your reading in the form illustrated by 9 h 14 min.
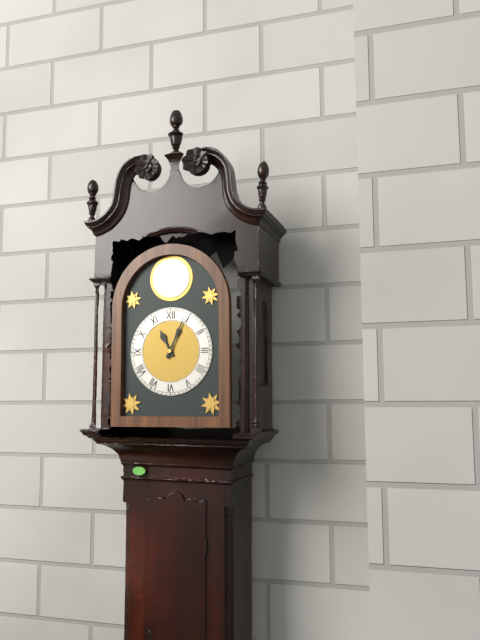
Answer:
11 h 04 min
